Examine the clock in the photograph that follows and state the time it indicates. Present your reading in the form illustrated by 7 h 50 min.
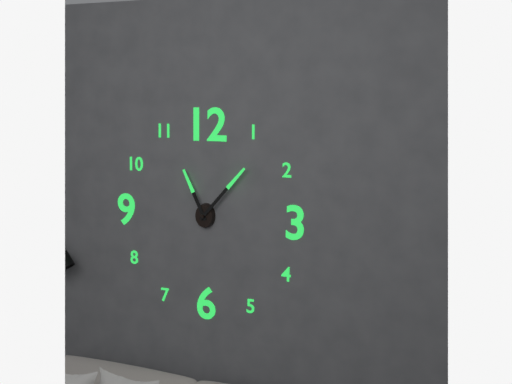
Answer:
11 h 07 min
